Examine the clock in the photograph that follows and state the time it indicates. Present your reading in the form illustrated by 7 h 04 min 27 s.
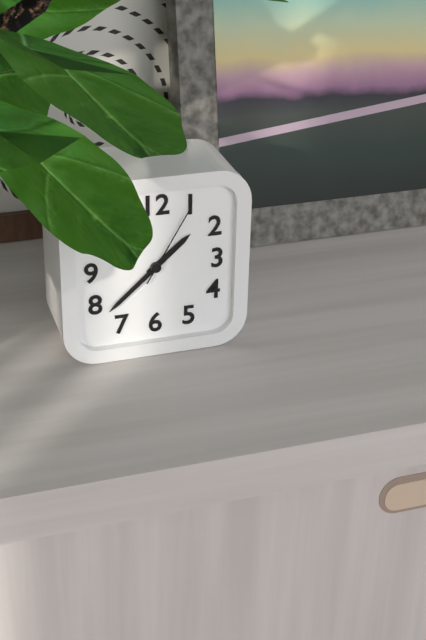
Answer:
1 h 38 min 05 s
